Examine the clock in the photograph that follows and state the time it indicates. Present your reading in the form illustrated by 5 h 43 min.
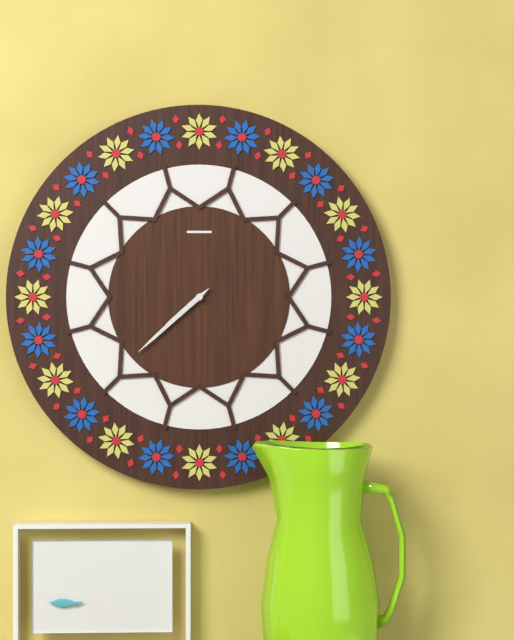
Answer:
7 h 38 min
